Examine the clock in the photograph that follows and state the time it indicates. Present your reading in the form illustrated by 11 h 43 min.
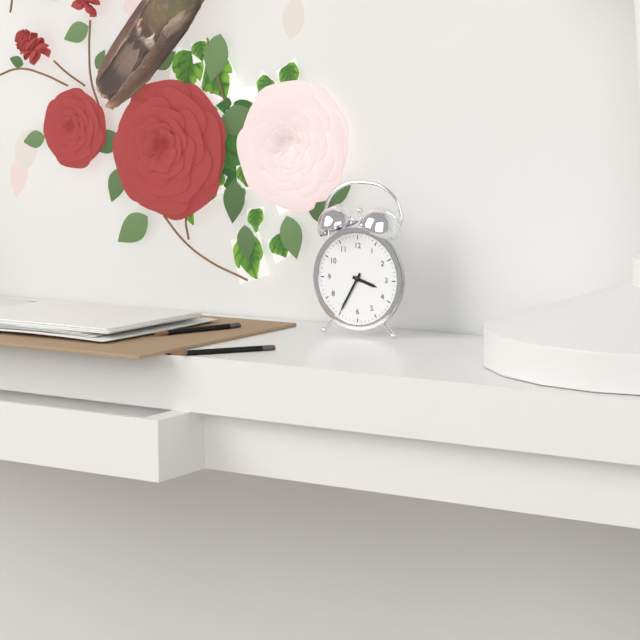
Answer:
3 h 35 min
